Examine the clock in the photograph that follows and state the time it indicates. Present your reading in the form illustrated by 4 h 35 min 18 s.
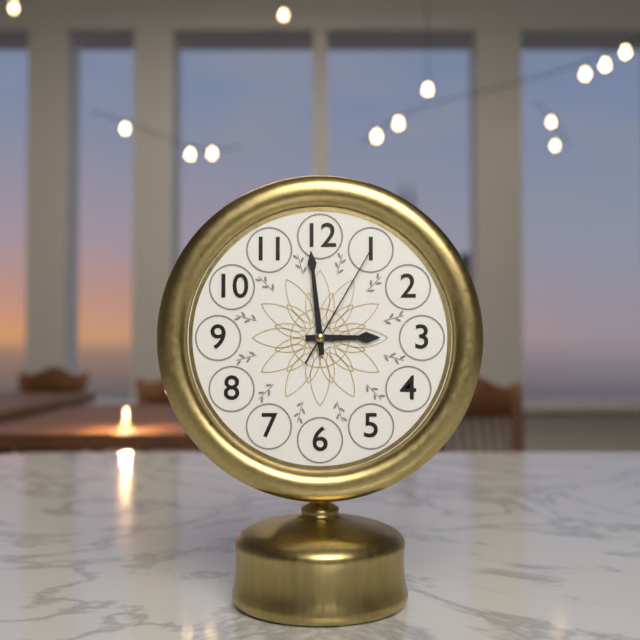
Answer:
2 h 59 min 05 s
